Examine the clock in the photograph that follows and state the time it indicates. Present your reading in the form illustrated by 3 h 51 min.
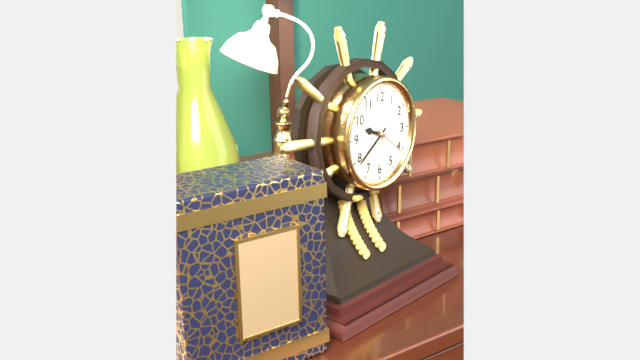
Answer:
9 h 39 min
